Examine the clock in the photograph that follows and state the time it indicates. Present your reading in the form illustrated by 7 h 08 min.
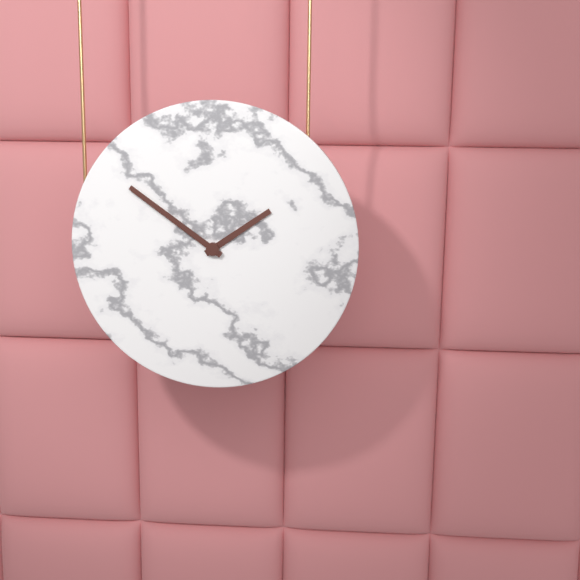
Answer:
1 h 51 min
